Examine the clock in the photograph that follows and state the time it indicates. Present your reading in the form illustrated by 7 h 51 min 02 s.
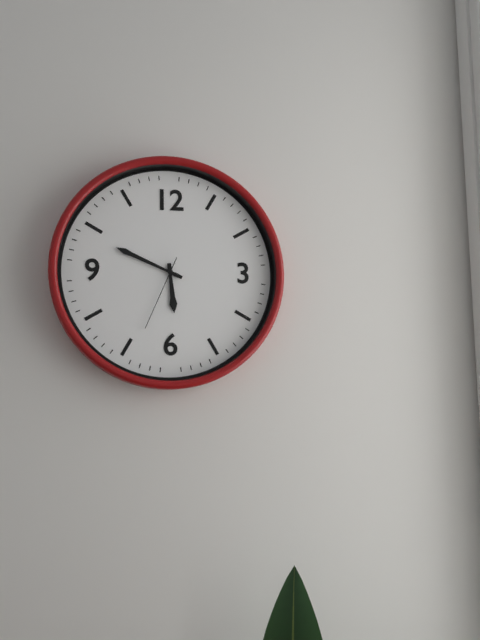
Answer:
5 h 49 min 34 s
